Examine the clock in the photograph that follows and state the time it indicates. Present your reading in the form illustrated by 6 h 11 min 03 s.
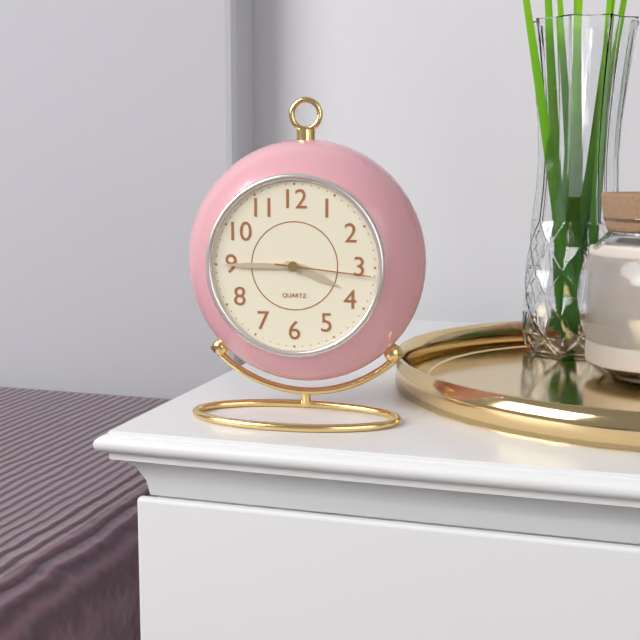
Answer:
3 h 45 min 16 s
